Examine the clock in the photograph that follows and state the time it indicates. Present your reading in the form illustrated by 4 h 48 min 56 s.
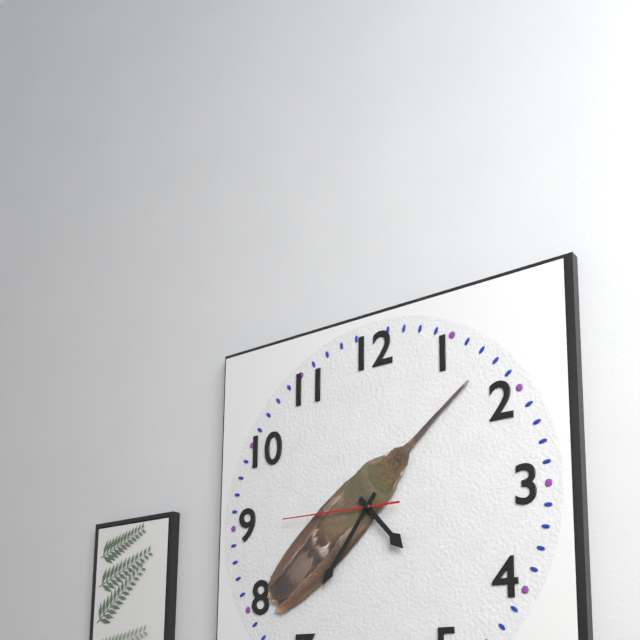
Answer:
4 h 36 min 45 s
